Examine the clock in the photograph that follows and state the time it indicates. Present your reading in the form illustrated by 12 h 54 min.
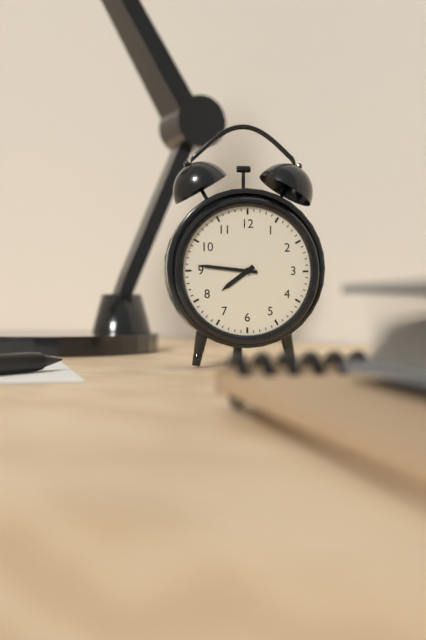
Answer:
7 h 46 min
